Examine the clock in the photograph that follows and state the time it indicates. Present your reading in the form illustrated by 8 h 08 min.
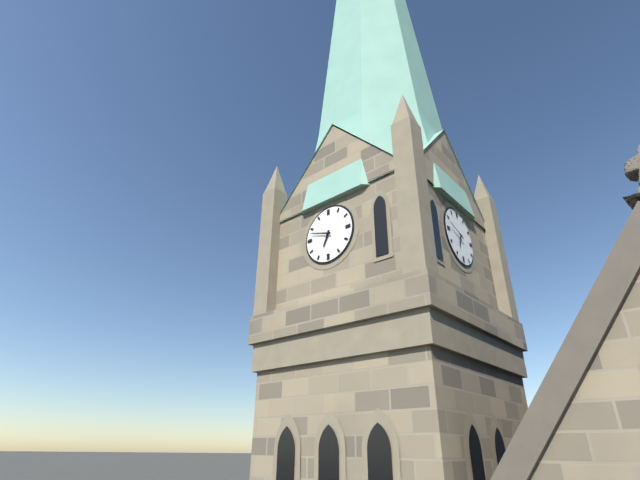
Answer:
6 h 48 min
